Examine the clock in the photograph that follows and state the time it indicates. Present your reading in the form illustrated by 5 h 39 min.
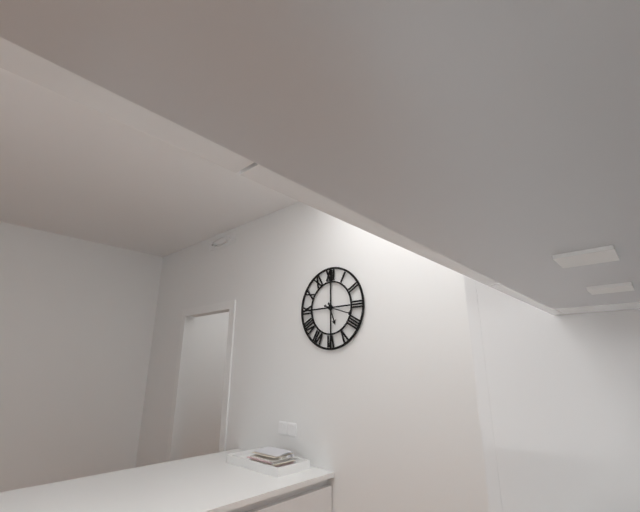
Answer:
5 h 18 min
